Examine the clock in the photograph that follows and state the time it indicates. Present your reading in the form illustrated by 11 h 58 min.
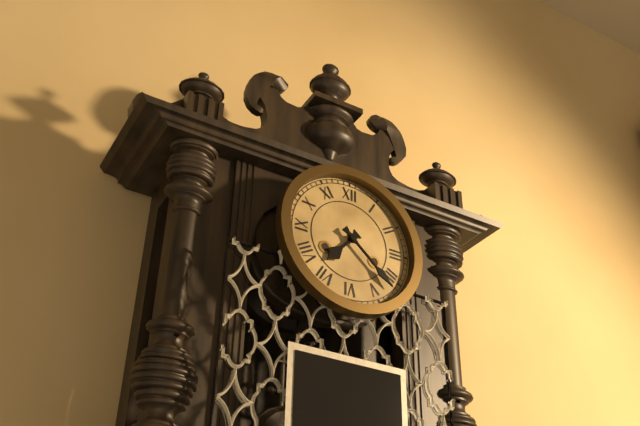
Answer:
7 h 22 min
